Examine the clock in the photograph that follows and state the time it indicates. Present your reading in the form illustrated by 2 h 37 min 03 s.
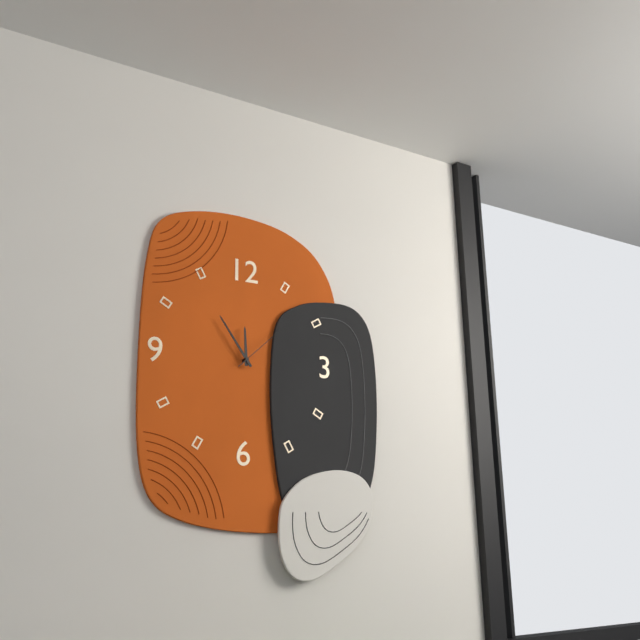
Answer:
11 h 54 min 08 s
